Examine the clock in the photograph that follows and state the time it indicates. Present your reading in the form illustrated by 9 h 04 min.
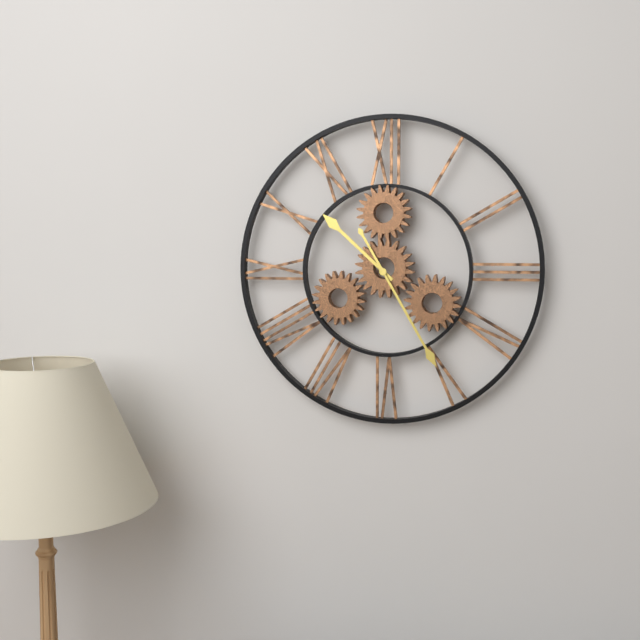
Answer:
10 h 25 min
